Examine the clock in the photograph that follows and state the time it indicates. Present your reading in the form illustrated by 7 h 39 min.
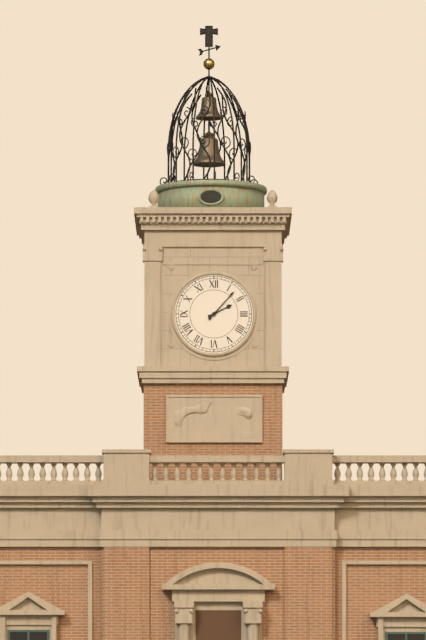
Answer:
2 h 07 min
